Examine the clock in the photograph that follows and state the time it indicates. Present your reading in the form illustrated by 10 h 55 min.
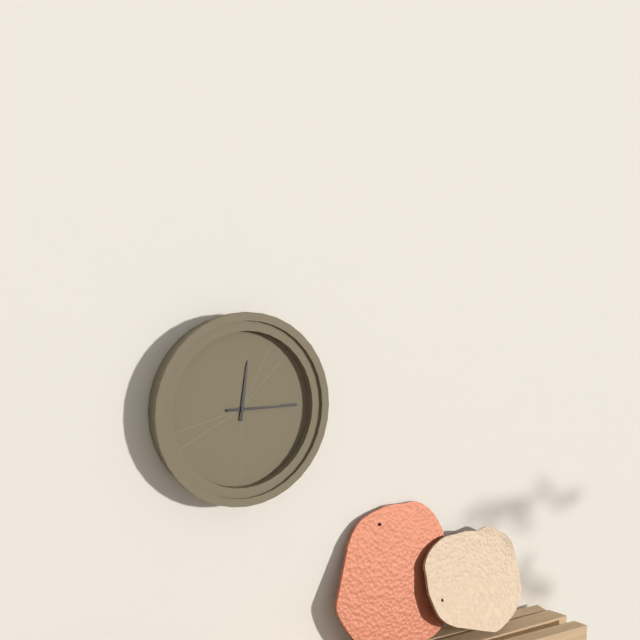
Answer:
12 h 15 min
